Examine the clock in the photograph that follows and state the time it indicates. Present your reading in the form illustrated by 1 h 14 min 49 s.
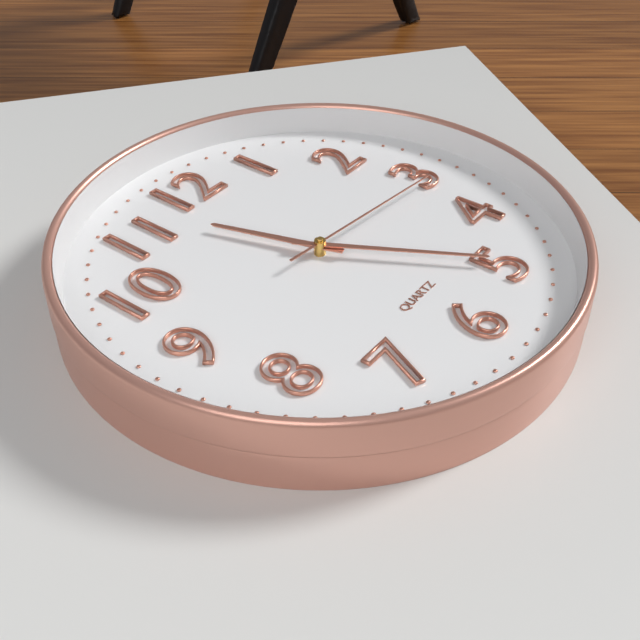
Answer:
11 h 25 min 16 s
